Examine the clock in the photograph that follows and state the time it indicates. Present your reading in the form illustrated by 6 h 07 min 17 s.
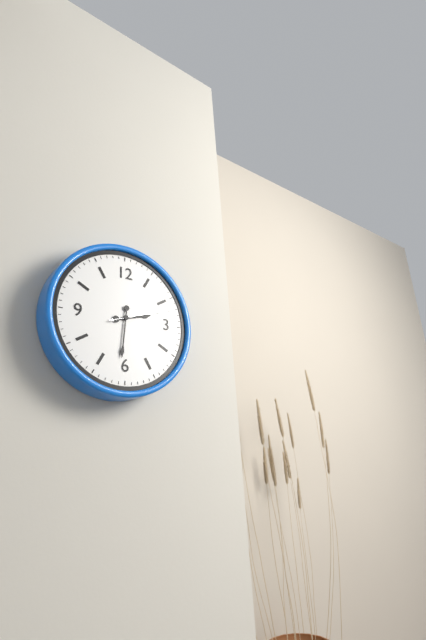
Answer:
2 h 31 min 12 s
